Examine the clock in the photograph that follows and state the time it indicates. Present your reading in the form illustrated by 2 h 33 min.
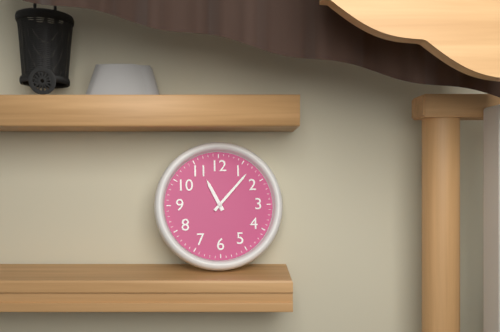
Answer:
11 h 07 min
